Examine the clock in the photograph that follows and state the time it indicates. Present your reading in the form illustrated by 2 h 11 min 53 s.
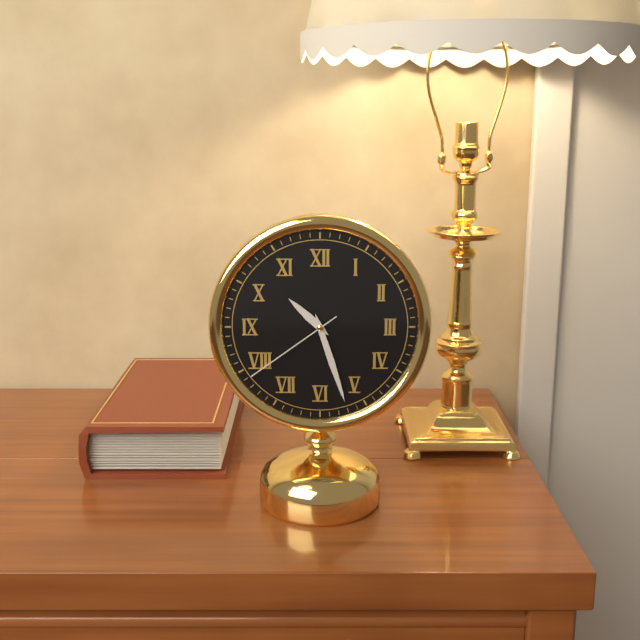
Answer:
10 h 27 min 39 s
